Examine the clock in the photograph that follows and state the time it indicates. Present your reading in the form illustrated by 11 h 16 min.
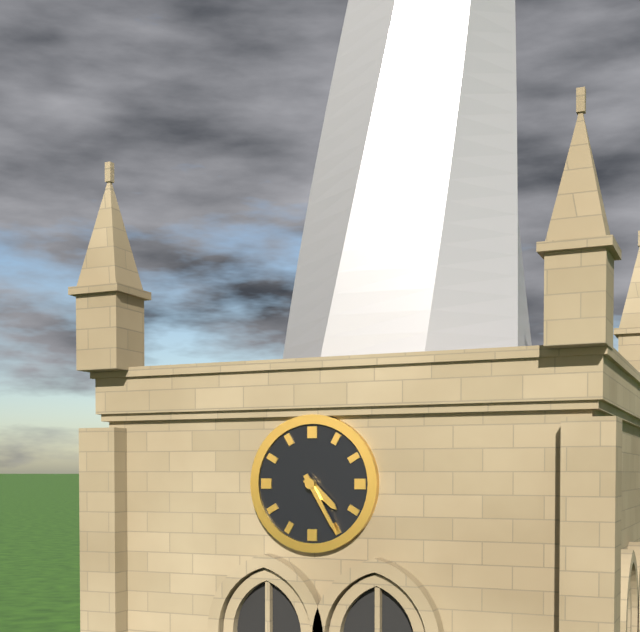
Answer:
4 h 25 min
